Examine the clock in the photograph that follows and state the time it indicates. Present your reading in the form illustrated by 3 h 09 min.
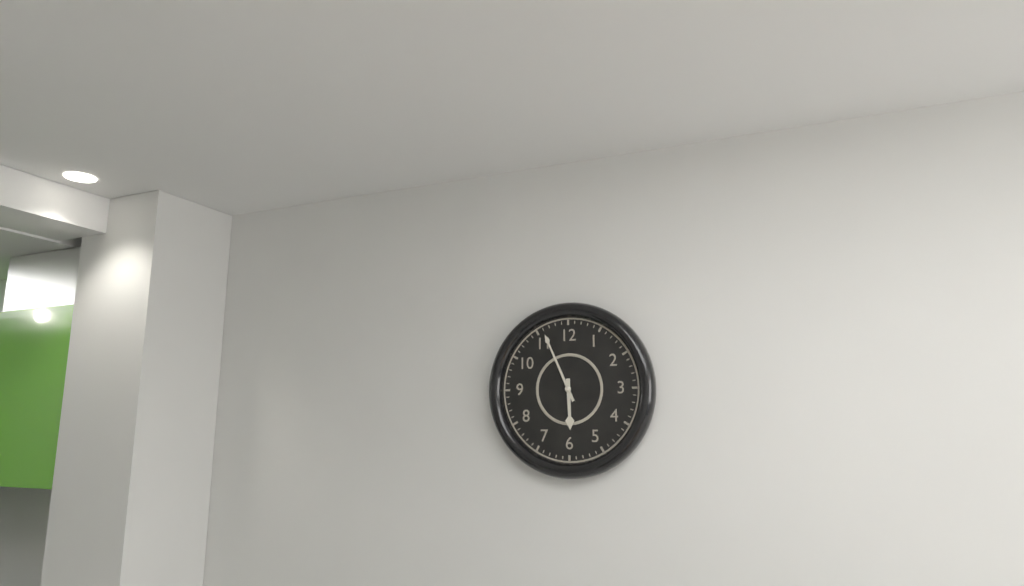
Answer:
5 h 56 min
